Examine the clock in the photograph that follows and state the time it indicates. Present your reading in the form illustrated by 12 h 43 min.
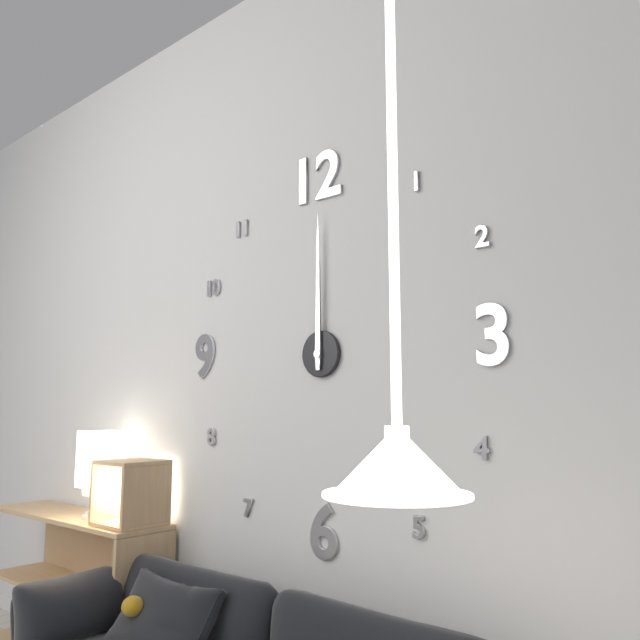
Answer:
12 h 00 min
